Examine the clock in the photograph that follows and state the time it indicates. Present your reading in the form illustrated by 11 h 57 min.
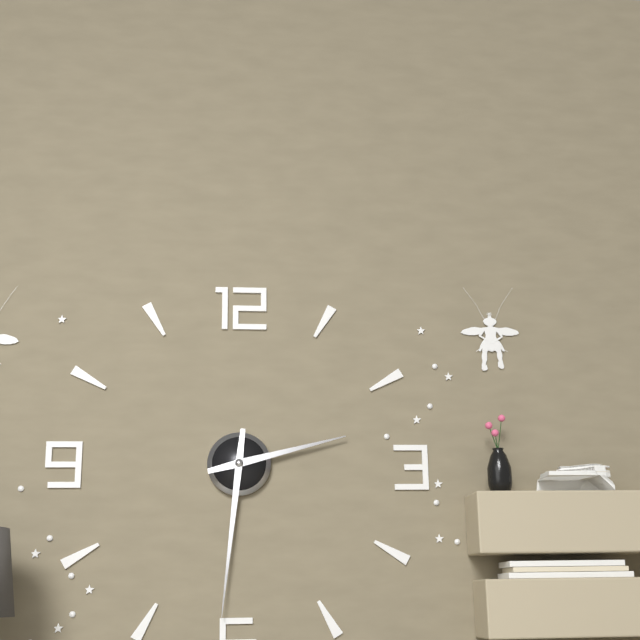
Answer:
2 h 31 min
